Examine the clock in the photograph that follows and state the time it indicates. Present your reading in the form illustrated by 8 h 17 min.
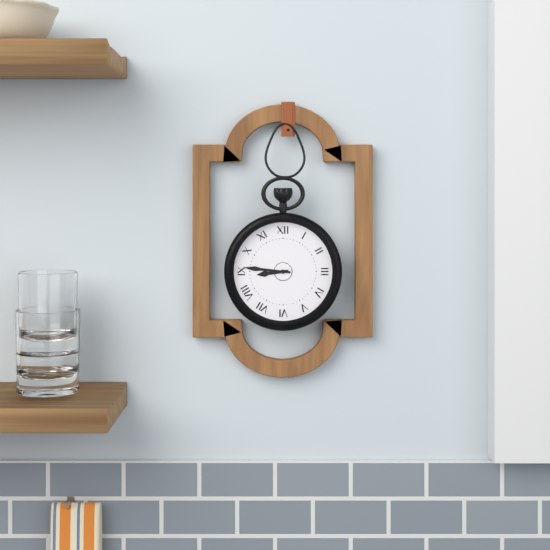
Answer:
8 h 46 min
